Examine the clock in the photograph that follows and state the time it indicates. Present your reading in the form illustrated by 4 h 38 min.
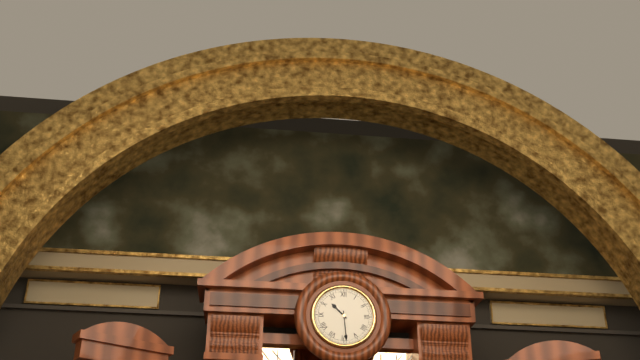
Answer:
10 h 29 min
